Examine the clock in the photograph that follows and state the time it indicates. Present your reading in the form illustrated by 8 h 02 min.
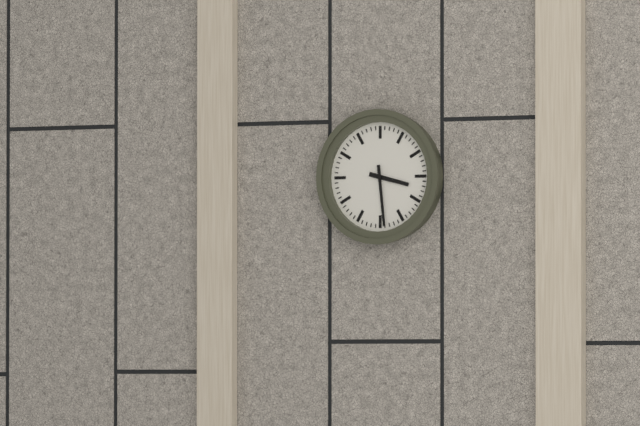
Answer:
3 h 29 min
